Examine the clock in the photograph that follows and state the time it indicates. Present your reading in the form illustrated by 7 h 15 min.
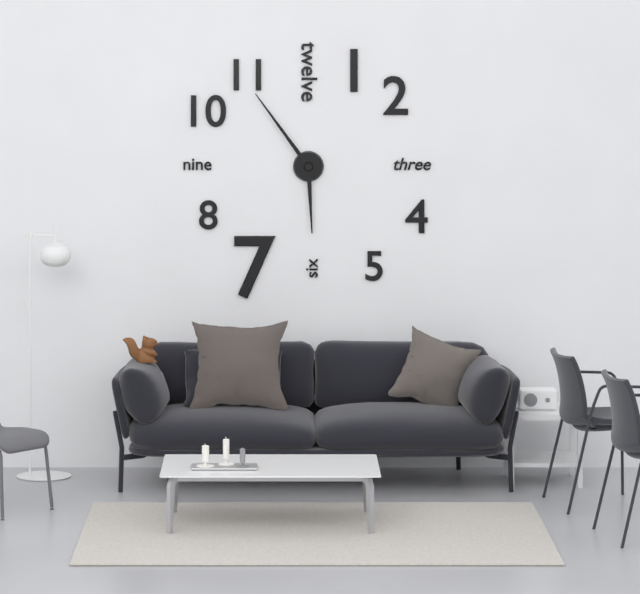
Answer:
5 h 54 min
